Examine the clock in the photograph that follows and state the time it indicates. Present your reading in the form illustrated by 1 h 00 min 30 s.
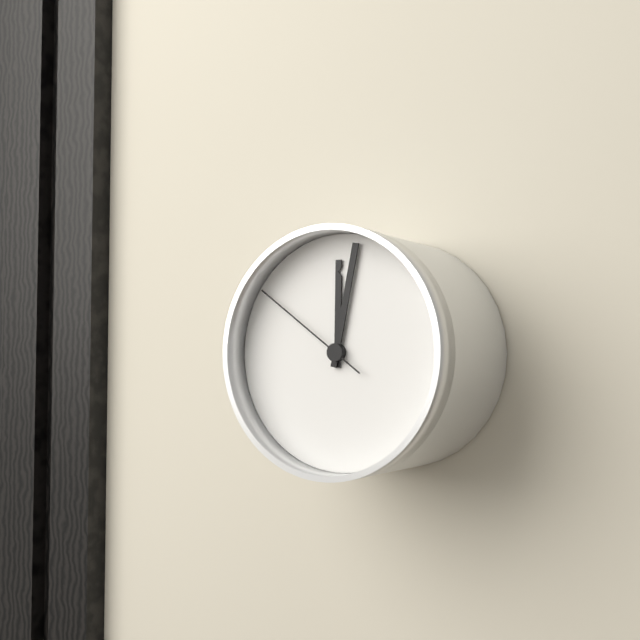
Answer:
12 h 02 min 51 s
